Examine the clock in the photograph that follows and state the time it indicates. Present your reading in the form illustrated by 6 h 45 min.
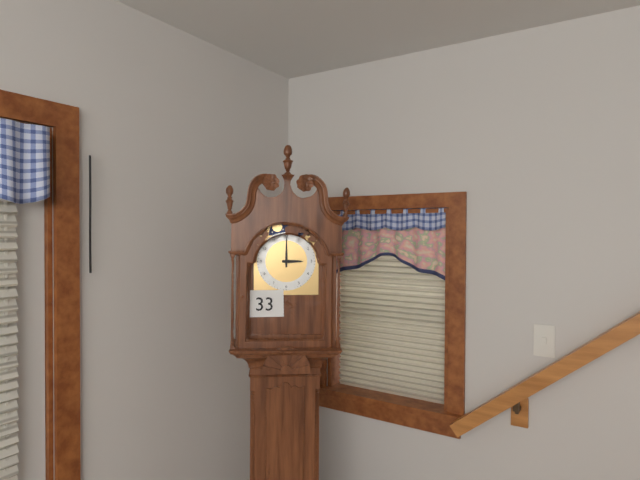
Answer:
3 h 00 min
